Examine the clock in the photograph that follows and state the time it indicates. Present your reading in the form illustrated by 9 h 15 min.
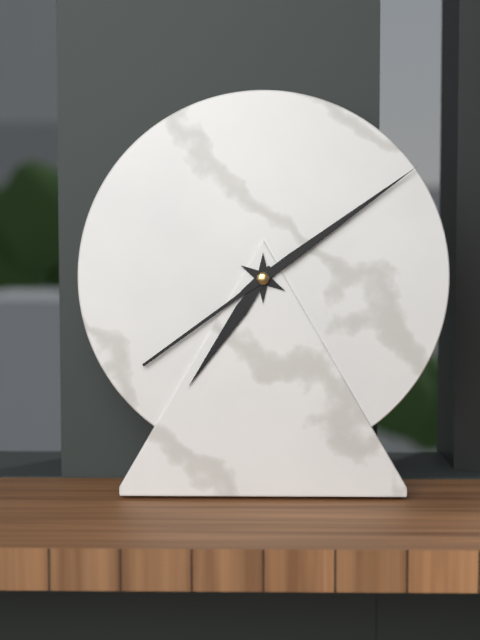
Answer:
7 h 09 min
